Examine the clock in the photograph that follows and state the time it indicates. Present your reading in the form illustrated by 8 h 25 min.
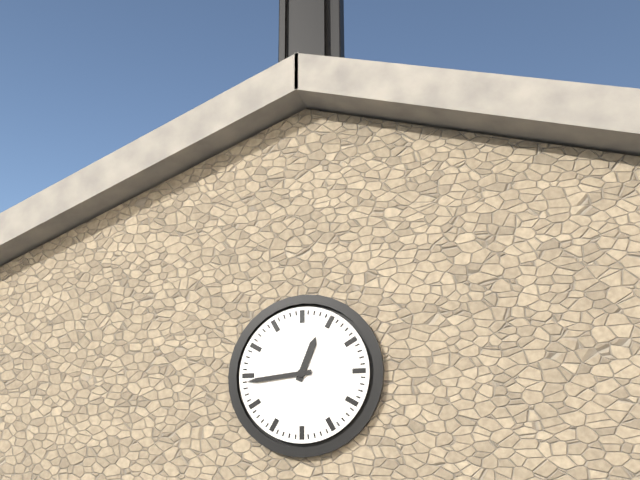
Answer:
12 h 44 min
